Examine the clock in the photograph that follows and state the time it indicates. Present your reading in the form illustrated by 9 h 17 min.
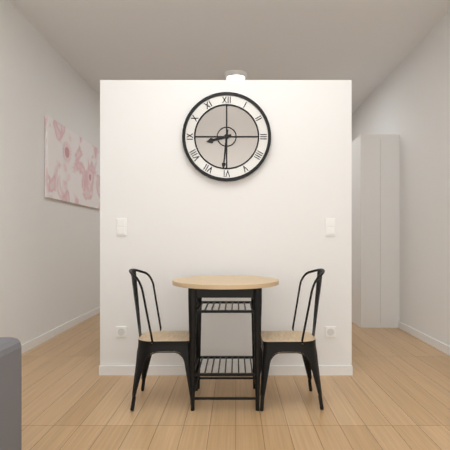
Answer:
8 h 31 min
